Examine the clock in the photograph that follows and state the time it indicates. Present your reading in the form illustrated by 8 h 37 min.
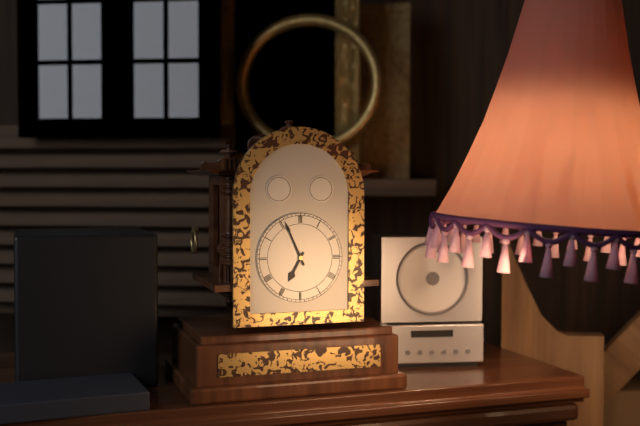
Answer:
6 h 56 min
